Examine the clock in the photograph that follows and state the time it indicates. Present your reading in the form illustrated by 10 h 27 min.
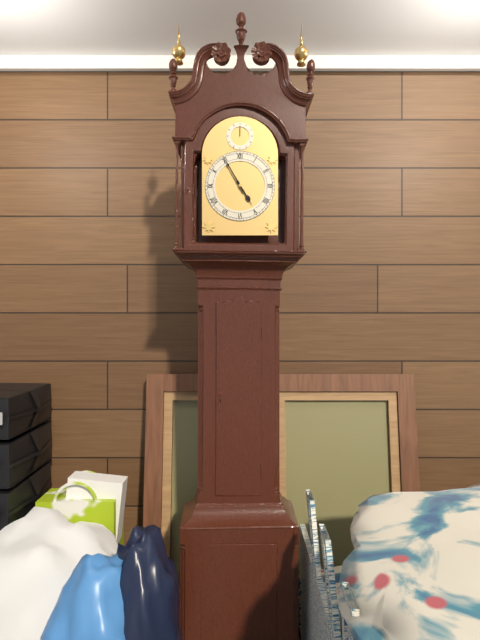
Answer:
4 h 55 min
